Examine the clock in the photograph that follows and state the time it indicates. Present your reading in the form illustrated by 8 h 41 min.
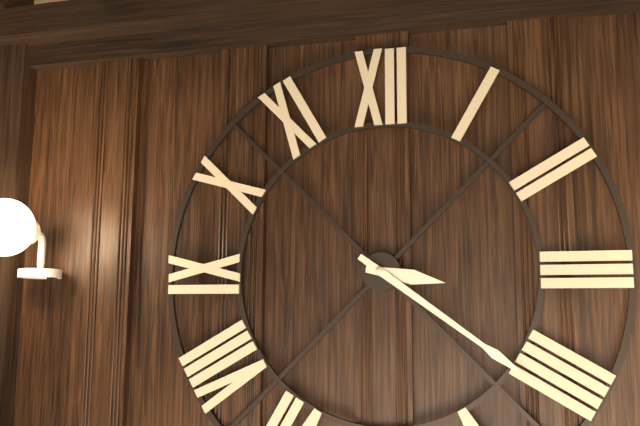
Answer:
3 h 21 min
